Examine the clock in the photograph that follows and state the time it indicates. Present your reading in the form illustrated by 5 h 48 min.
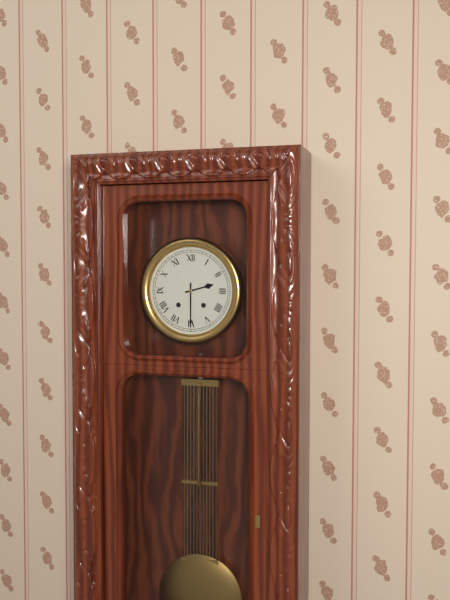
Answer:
2 h 30 min
